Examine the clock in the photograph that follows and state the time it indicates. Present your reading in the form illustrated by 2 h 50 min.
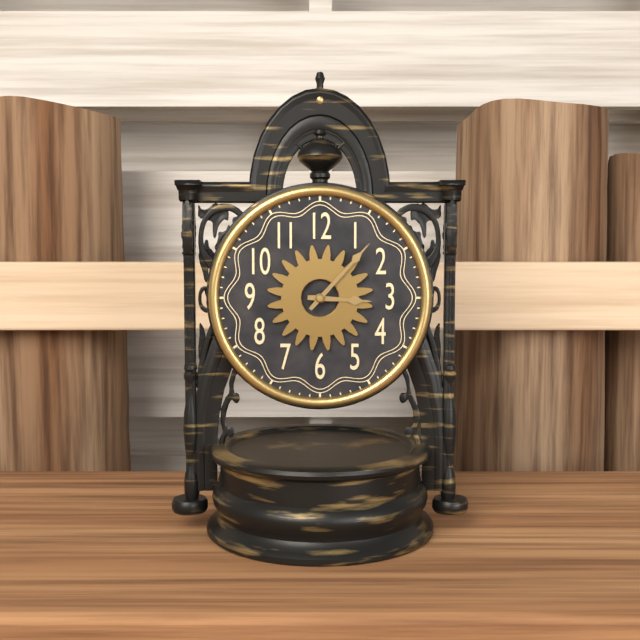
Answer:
3 h 07 min
